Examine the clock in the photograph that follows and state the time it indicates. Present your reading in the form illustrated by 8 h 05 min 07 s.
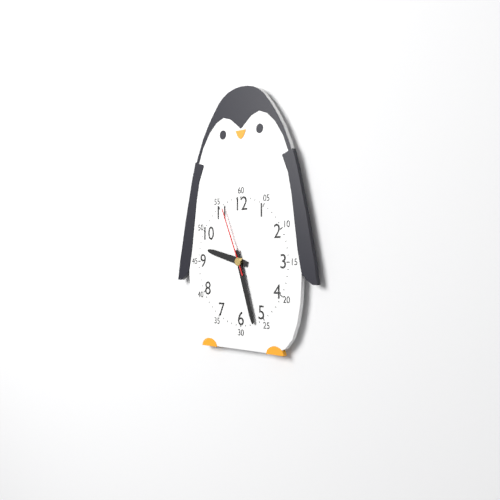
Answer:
9 h 27 min 56 s
